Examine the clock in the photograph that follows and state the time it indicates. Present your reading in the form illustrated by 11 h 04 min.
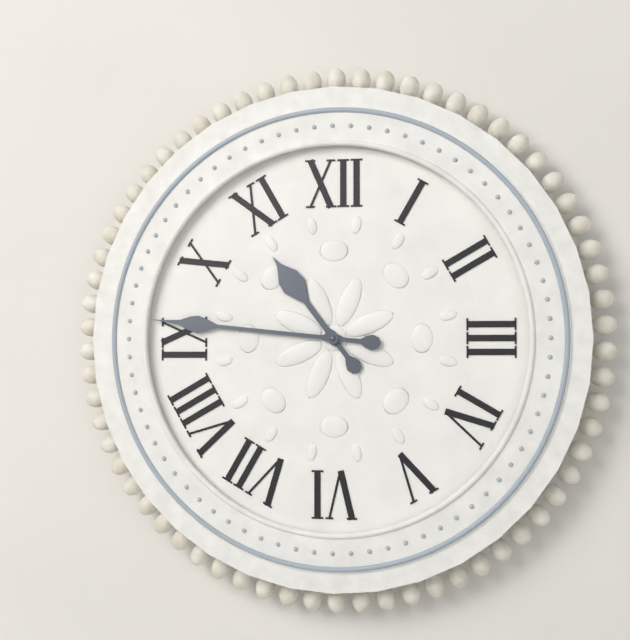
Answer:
10 h 46 min
